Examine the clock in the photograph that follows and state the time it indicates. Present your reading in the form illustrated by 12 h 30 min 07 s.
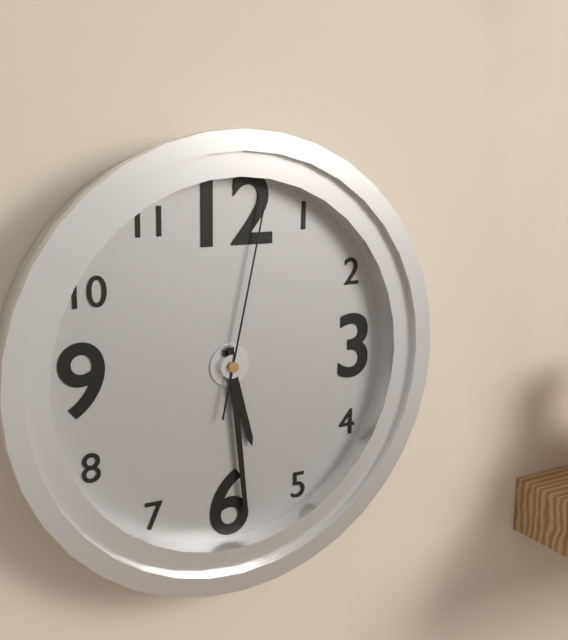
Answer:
5 h 29 min 02 s
